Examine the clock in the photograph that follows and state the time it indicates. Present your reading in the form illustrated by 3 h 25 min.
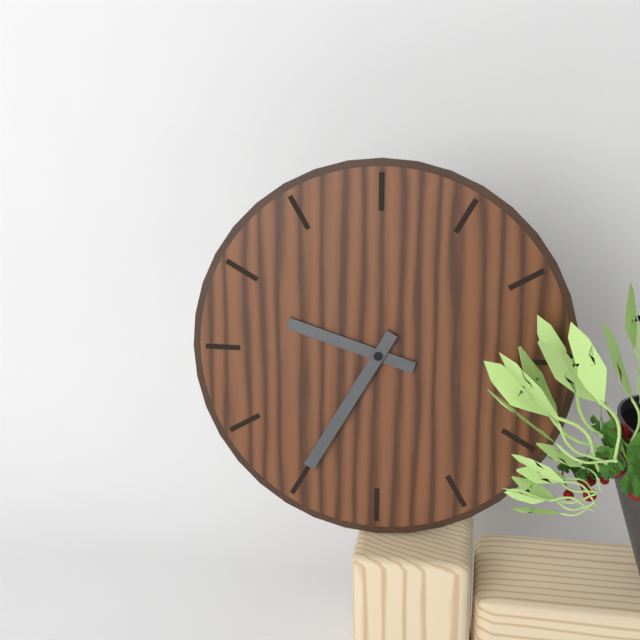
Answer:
9 h 35 min
